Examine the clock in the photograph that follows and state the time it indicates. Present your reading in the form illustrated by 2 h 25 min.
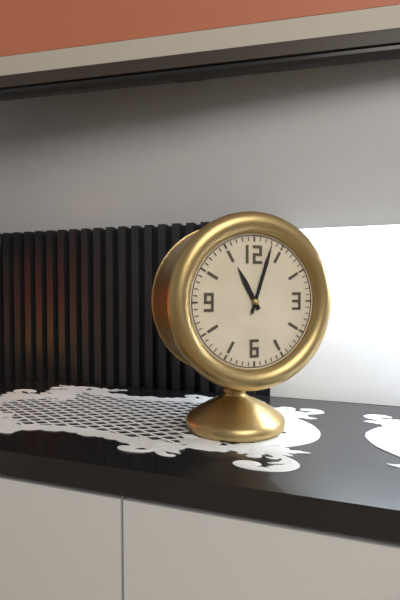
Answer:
11 h 03 min
